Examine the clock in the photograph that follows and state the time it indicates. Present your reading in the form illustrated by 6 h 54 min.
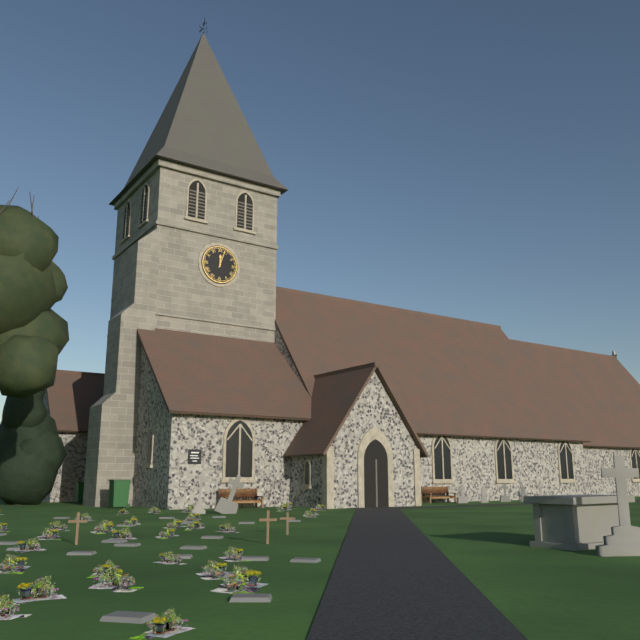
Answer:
12 h 03 min
